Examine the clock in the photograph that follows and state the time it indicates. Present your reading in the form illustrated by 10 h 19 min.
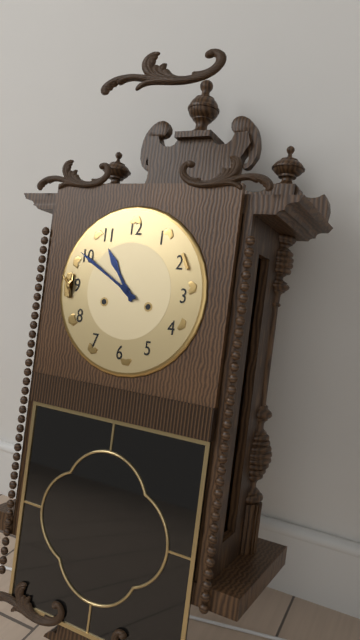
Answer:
10 h 50 min
